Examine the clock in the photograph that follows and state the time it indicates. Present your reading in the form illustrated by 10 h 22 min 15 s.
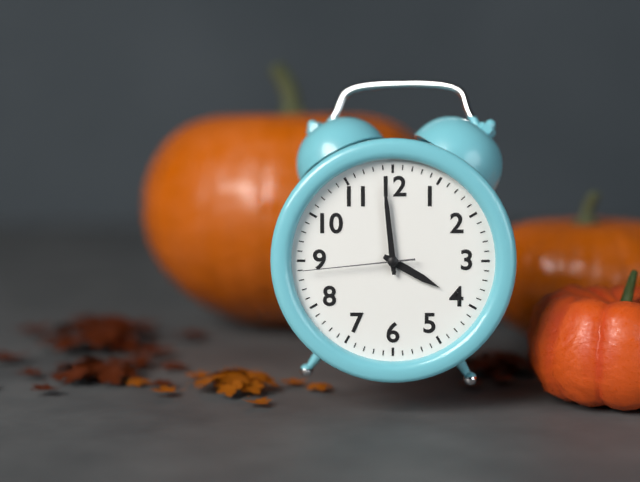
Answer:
3 h 59 min 44 s
